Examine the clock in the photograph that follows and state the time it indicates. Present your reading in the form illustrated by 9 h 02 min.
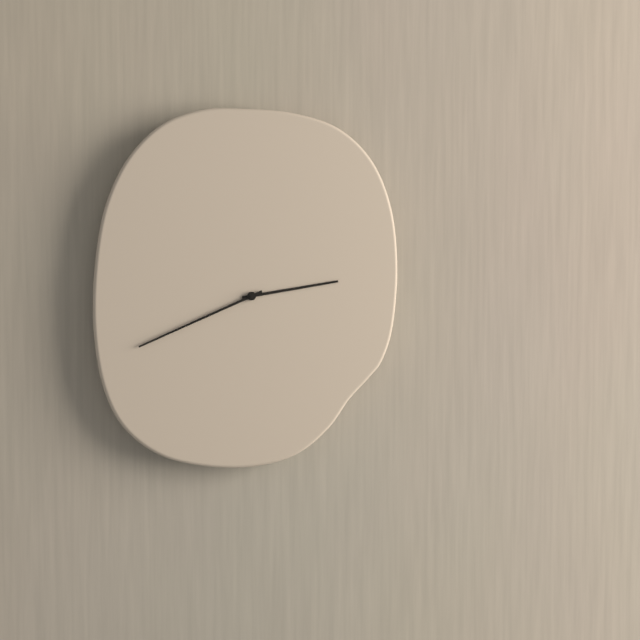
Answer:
2 h 41 min
